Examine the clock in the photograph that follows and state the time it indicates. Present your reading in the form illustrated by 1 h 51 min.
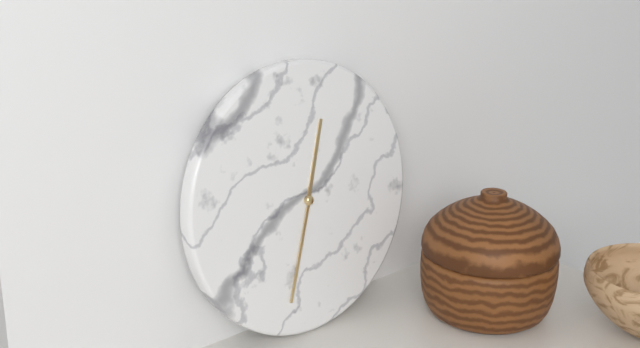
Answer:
12 h 33 min
